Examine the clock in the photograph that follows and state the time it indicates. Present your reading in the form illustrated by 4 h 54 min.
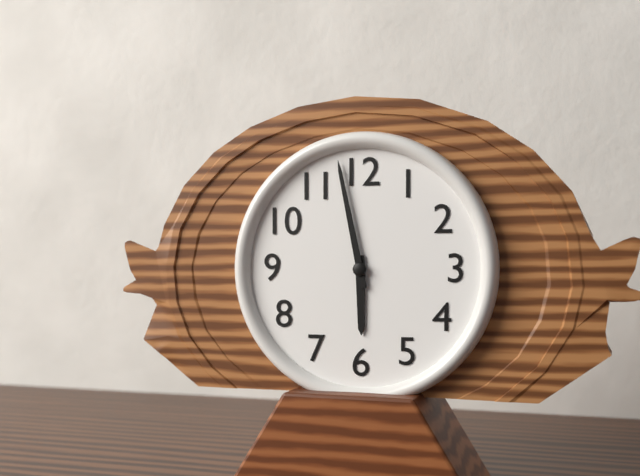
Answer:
5 h 58 min
